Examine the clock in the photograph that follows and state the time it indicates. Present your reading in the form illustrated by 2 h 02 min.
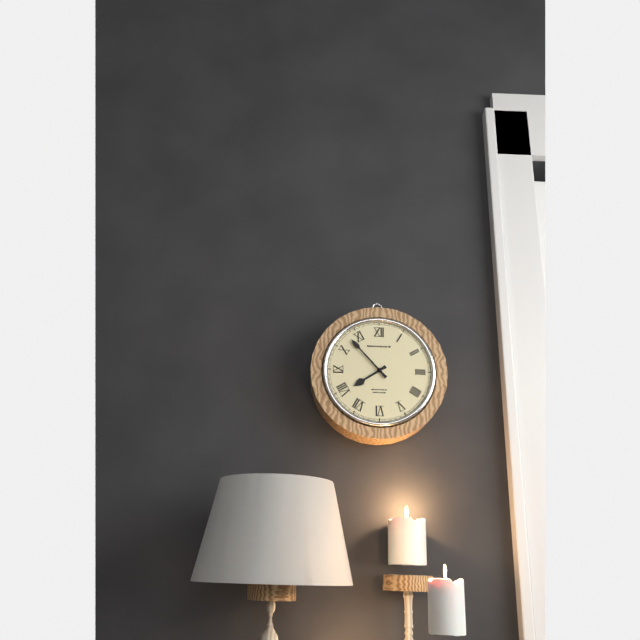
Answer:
7 h 53 min
